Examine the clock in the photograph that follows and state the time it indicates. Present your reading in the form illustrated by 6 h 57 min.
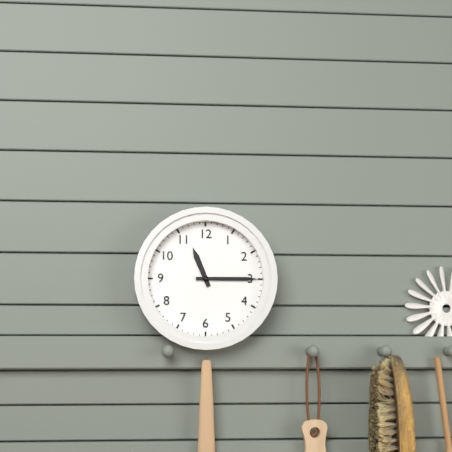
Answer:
11 h 15 min
